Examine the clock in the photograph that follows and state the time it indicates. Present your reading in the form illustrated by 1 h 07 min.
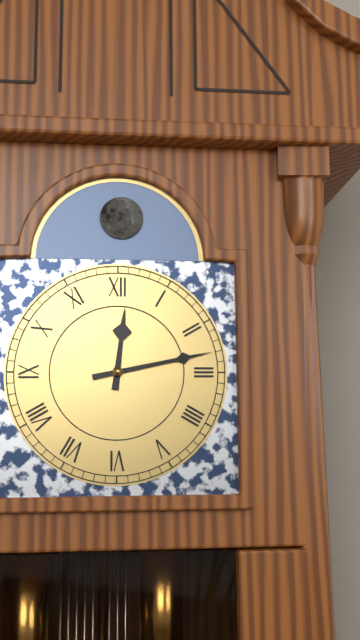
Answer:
12 h 13 min
